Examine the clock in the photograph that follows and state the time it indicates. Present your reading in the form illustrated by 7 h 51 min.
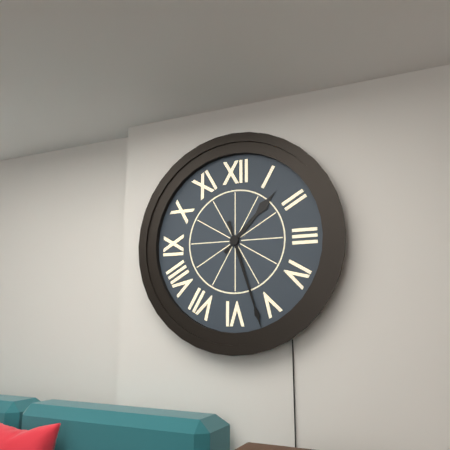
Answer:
1 h 27 min
